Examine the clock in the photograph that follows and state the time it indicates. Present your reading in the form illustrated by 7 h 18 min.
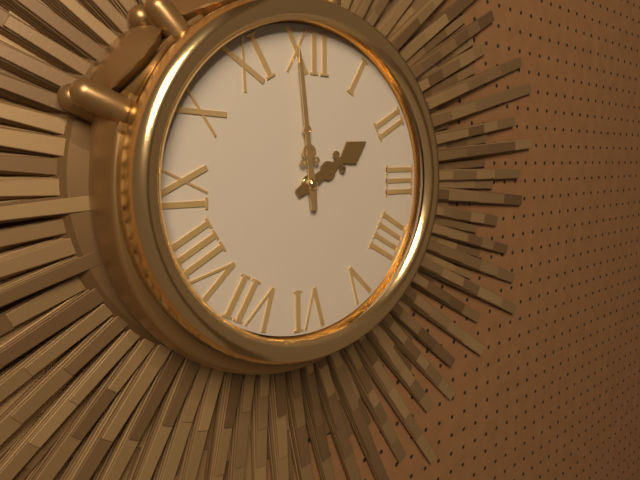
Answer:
1 h 59 min
